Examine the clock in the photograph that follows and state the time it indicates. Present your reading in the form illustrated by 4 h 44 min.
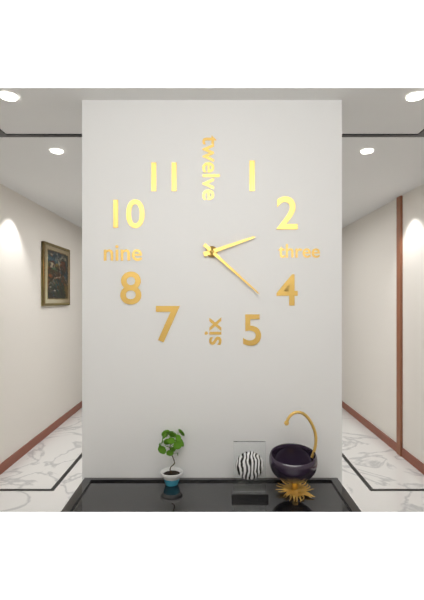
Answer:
2 h 22 min
